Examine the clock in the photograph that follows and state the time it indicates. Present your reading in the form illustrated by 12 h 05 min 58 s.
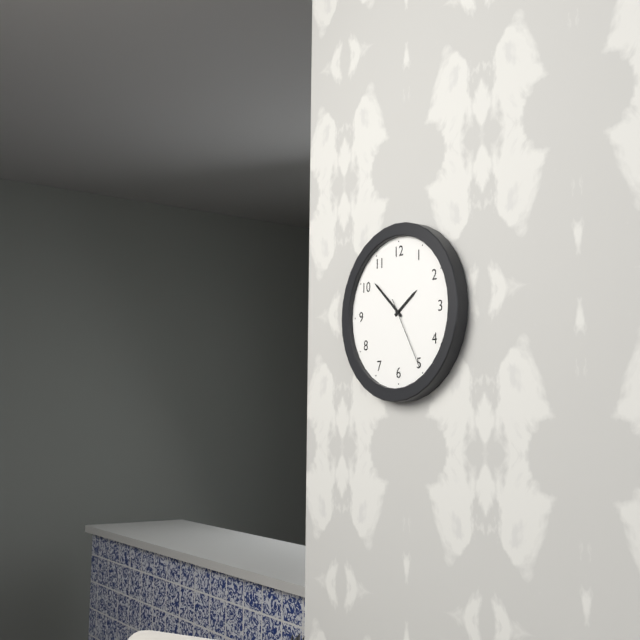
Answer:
1 h 52 min 25 s
